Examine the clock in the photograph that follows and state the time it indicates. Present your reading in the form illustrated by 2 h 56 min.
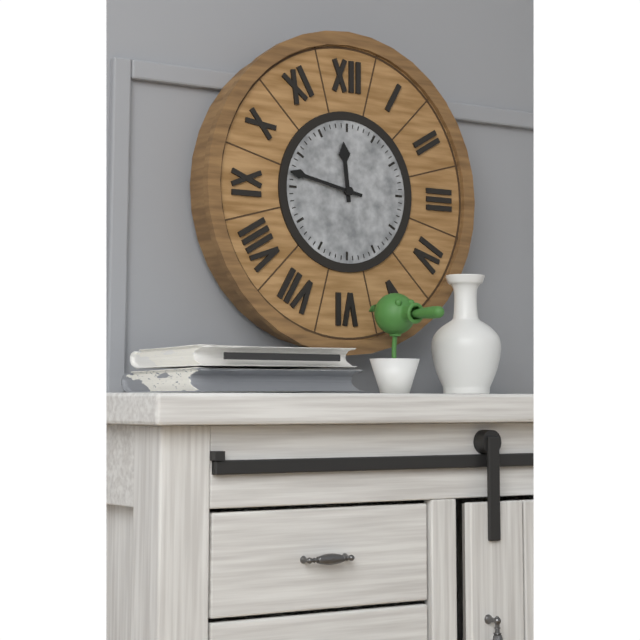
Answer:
11 h 47 min
